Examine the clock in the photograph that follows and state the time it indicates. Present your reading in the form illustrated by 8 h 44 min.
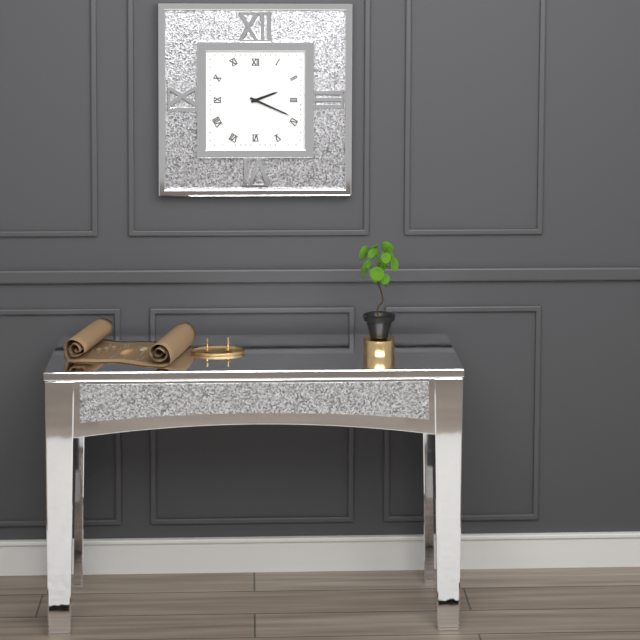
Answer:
2 h 19 min
